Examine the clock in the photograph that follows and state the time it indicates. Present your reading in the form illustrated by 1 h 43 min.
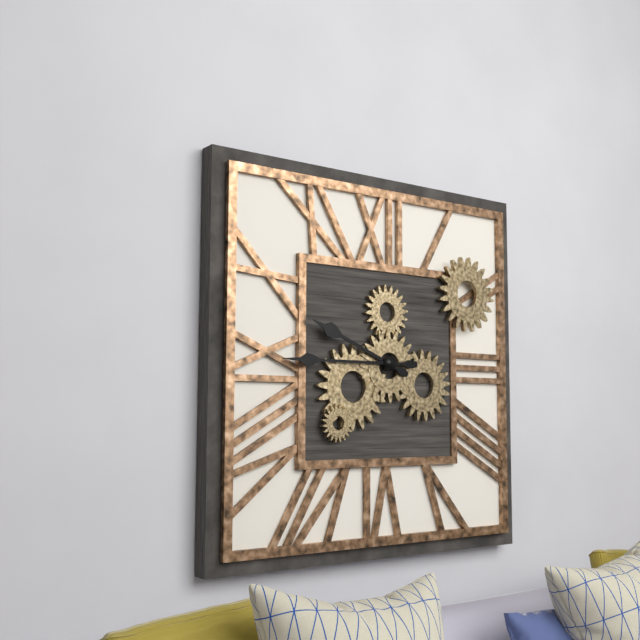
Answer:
9 h 45 min
